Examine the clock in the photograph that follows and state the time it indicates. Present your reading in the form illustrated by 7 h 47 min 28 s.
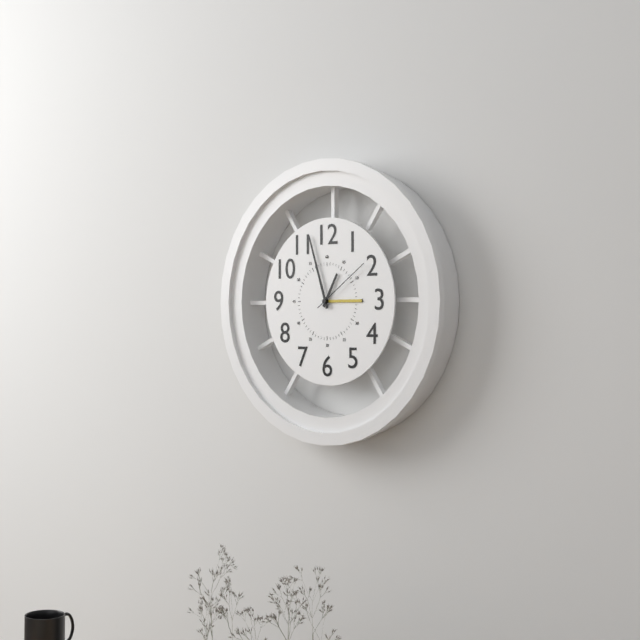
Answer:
12 h 57 min 09 s
